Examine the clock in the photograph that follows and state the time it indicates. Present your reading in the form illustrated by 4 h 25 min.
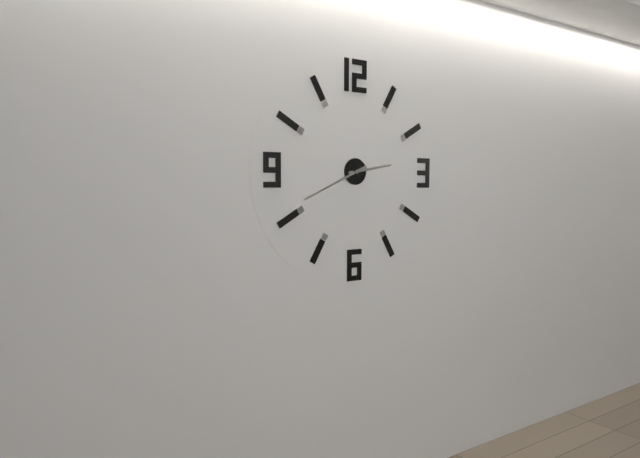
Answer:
2 h 41 min
